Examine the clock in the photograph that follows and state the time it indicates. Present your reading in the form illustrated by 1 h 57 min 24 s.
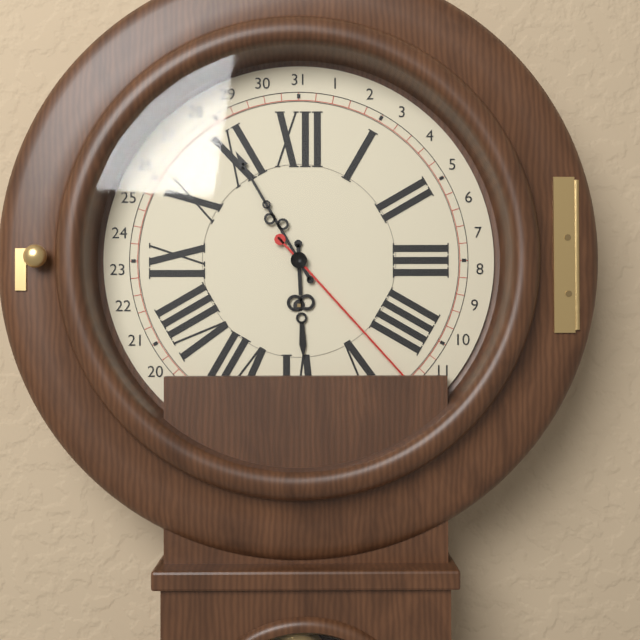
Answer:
5 h 55 min 23 s
